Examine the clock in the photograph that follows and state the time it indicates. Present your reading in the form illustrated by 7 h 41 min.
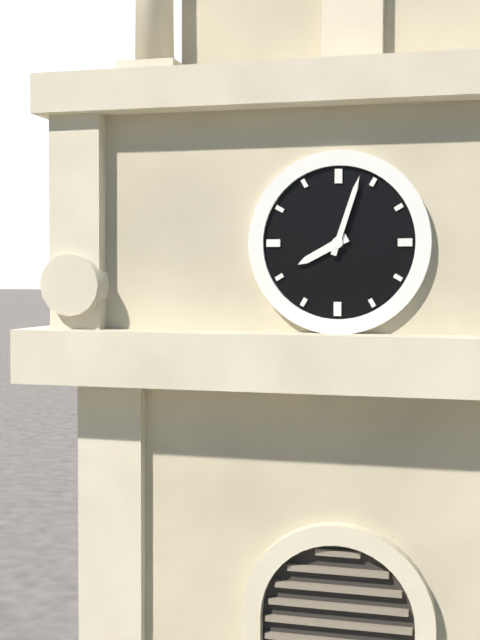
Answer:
8 h 03 min
